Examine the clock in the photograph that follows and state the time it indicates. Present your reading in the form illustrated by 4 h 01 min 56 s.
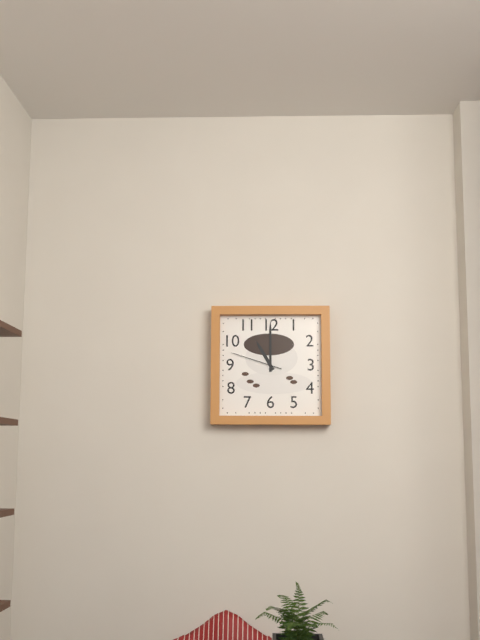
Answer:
11 h 00 min 48 s
